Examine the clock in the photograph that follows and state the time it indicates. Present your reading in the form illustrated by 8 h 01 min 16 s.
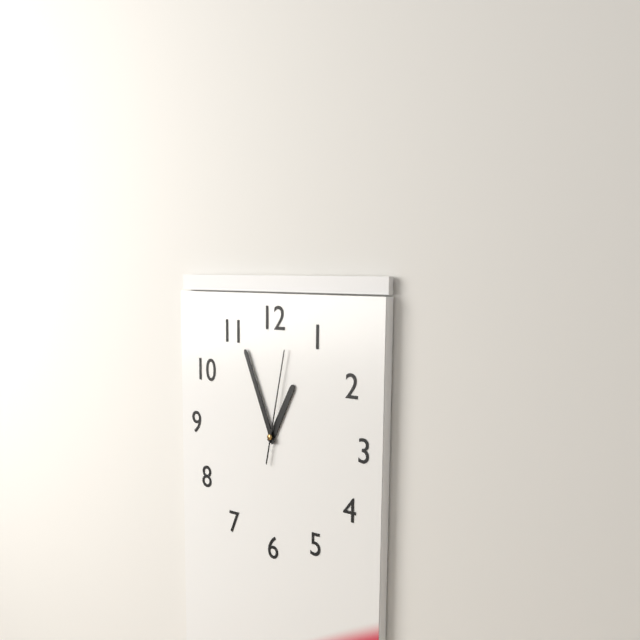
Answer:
12 h 56 min 02 s
